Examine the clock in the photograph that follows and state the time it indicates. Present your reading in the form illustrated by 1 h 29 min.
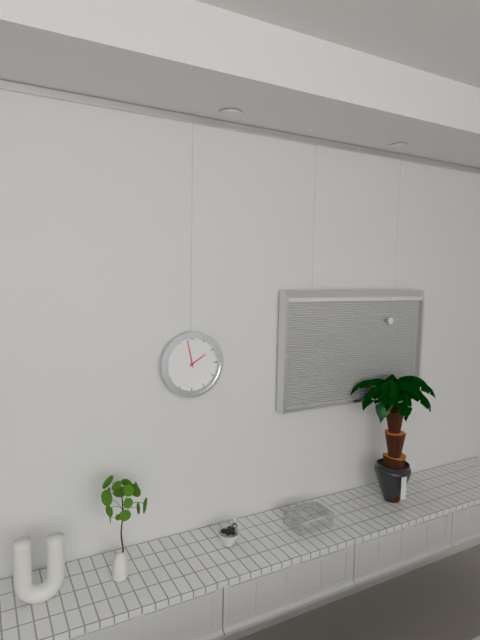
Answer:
1 h 58 min
